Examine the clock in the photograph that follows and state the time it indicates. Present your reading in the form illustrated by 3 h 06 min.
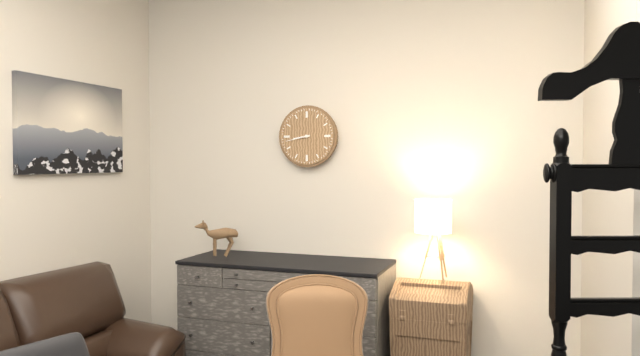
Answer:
8 h 43 min
